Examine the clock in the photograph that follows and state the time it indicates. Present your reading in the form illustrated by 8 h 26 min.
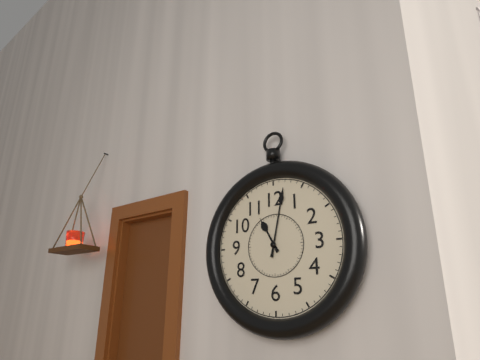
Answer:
11 h 02 min
